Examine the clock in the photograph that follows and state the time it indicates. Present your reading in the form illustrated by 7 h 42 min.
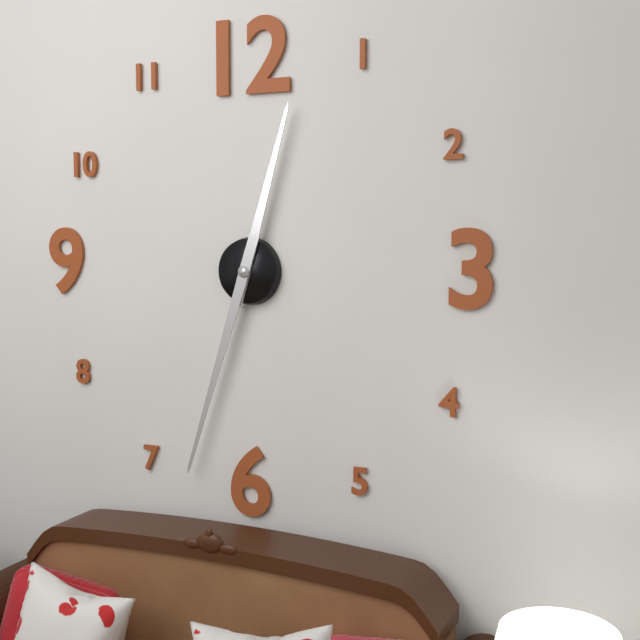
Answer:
12 h 33 min
